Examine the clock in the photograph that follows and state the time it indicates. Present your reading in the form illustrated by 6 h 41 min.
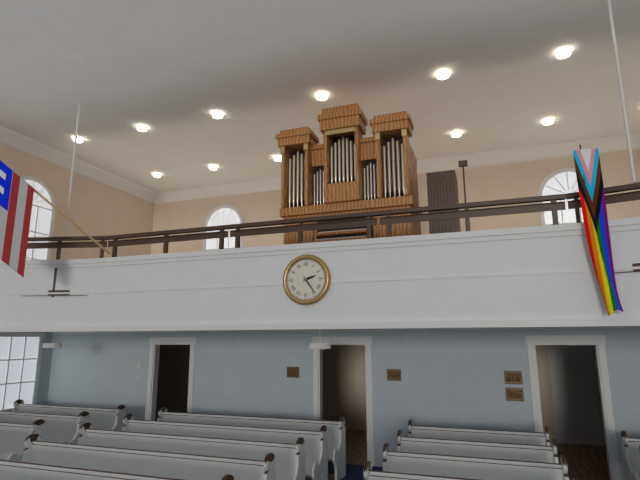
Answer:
2 h 24 min
